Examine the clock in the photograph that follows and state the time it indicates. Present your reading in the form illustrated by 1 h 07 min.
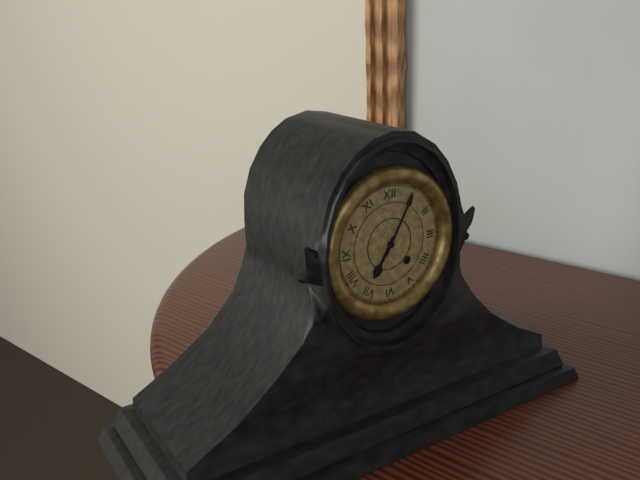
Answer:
7 h 05 min
